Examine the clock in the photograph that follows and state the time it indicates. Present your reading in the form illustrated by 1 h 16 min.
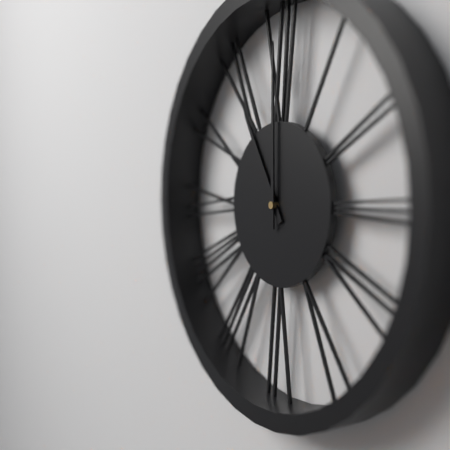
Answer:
11 h 00 min
